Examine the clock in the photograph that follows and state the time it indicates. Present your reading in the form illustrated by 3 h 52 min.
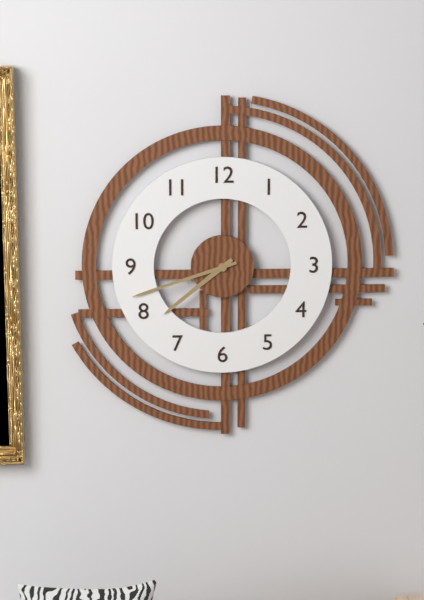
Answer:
7 h 42 min
